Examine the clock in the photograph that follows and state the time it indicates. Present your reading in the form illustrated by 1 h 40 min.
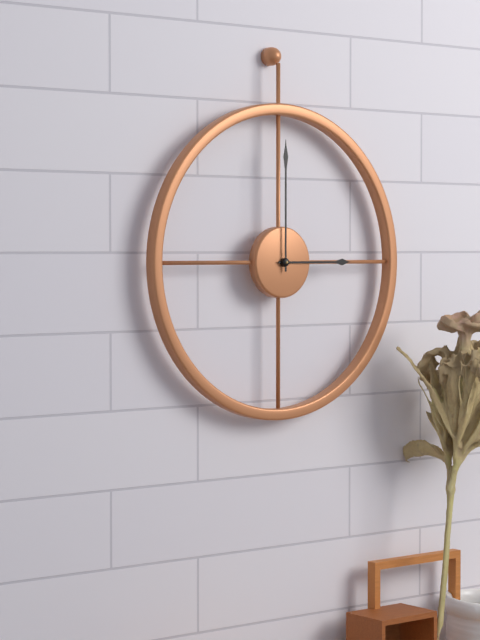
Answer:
3 h 00 min
